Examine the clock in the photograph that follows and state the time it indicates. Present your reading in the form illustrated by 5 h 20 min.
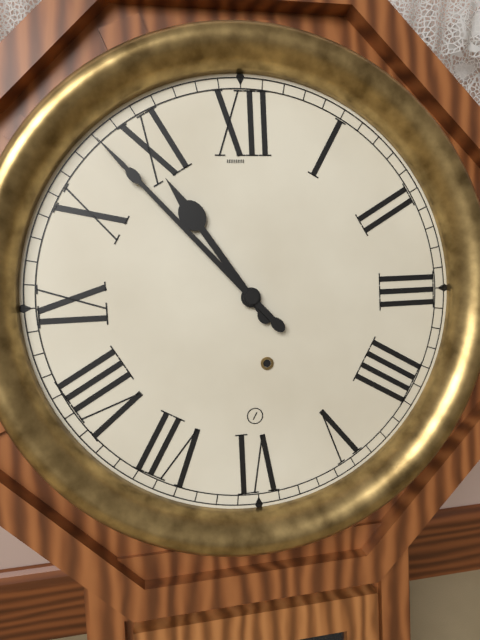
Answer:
10 h 53 min
